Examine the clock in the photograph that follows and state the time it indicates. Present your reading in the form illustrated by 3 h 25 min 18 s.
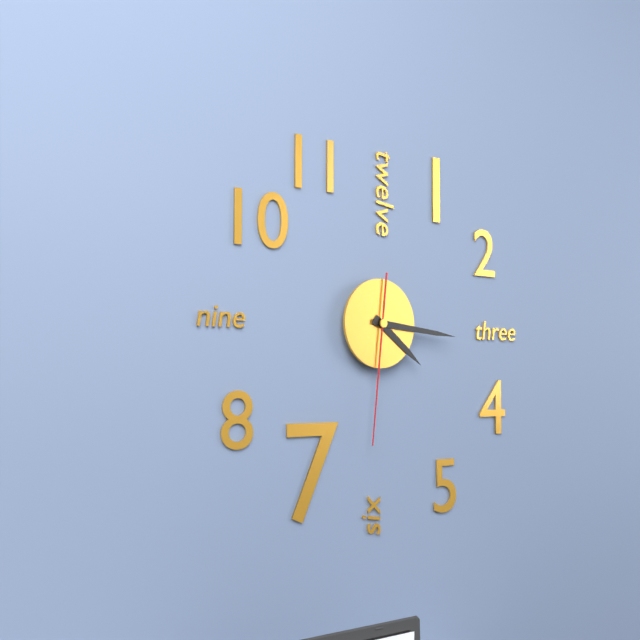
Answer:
4 h 16 min 31 s
